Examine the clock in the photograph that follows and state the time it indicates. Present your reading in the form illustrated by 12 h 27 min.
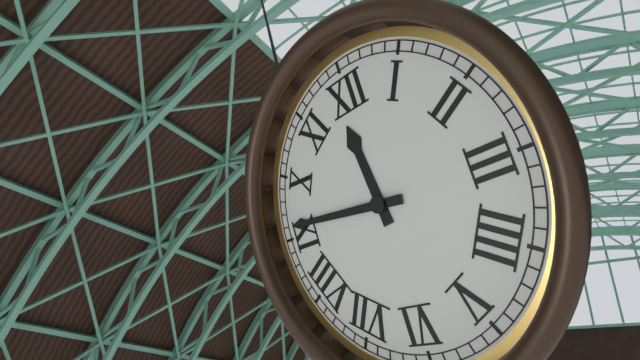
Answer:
11 h 46 min
